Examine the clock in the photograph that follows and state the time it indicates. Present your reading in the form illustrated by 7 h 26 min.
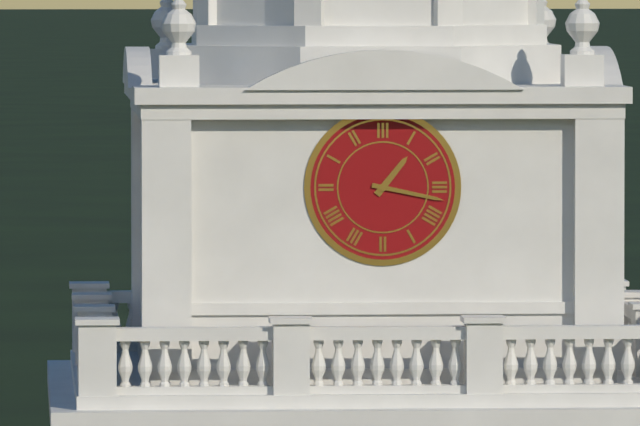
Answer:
1 h 17 min
